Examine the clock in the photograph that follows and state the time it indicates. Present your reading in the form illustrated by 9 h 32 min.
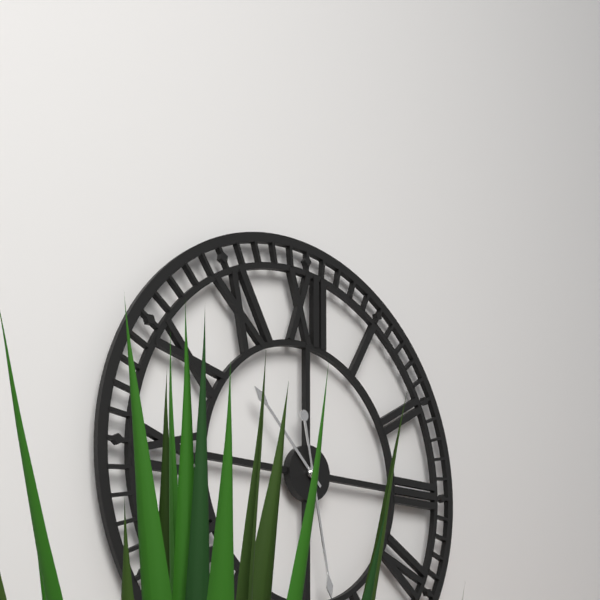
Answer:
10 h 28 min
